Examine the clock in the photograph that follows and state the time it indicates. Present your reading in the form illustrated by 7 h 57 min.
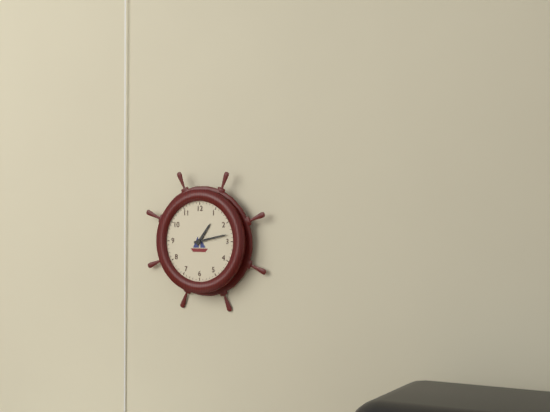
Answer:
1 h 13 min
